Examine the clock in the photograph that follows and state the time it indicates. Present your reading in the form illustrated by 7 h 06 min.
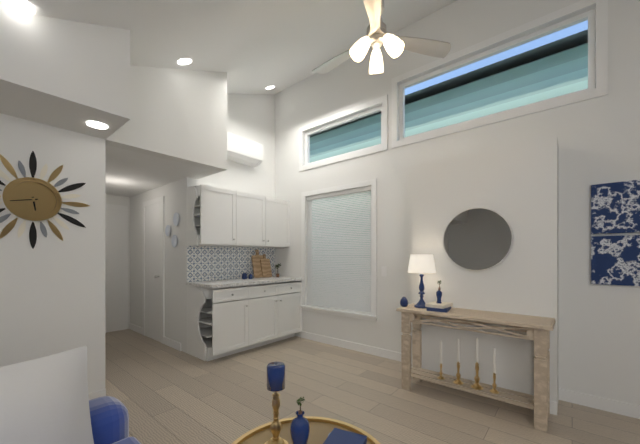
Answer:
5 h 43 min
